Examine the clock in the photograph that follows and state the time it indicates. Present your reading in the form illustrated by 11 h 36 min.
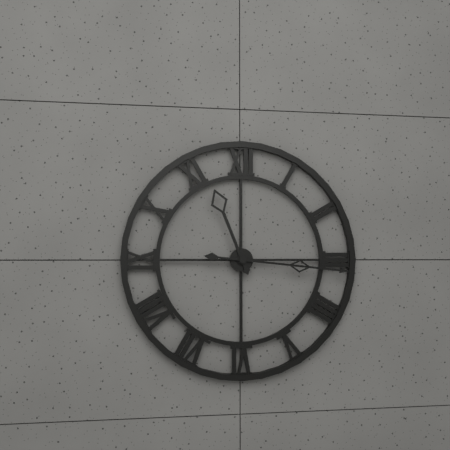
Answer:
11 h 16 min
